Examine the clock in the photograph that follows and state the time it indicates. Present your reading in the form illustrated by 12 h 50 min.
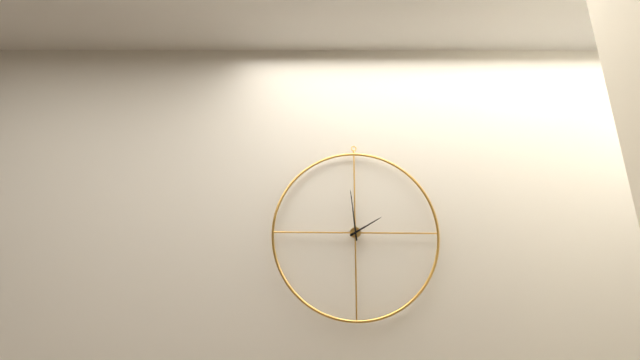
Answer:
1 h 59 min
